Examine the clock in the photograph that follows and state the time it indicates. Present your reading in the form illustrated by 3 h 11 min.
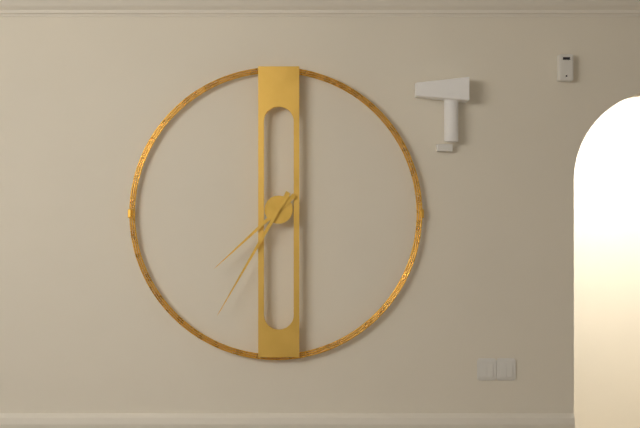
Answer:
7 h 35 min
